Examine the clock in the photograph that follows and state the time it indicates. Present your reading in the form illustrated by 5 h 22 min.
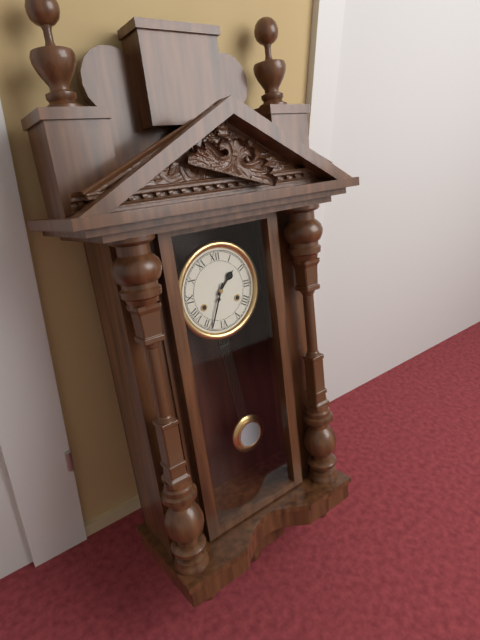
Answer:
1 h 34 min
